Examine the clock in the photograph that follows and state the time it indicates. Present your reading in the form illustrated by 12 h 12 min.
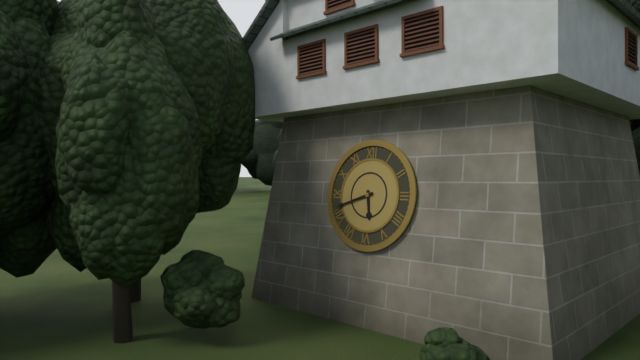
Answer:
5 h 42 min
